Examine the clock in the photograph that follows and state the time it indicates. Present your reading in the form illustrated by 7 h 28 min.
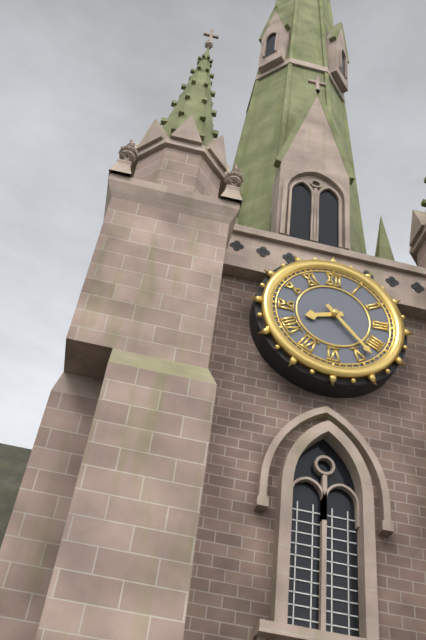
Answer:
8 h 23 min
